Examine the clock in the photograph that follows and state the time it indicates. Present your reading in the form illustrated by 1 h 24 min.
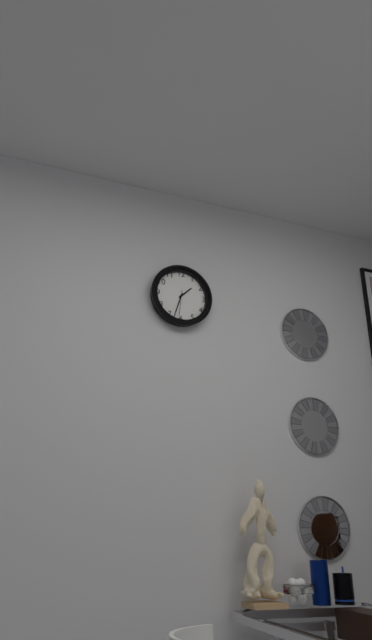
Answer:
1 h 33 min
